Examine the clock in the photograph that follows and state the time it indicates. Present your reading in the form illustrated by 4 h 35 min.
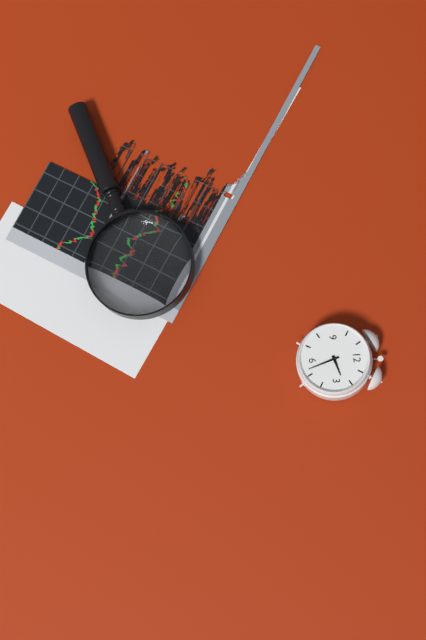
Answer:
2 h 27 min
